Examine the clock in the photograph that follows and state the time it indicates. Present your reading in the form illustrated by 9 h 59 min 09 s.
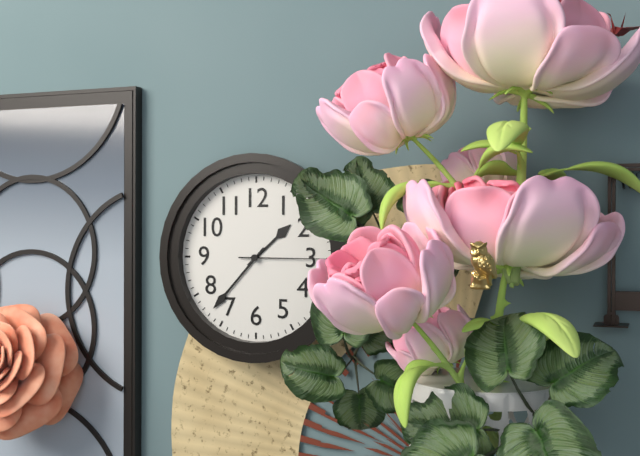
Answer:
1 h 37 min 15 s
